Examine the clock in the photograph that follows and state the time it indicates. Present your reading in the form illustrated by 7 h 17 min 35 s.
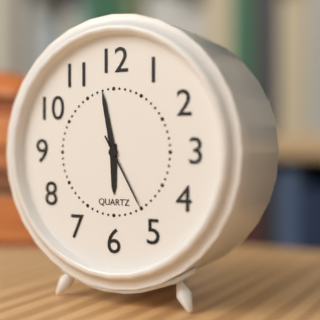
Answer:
5 h 58 min 25 s
